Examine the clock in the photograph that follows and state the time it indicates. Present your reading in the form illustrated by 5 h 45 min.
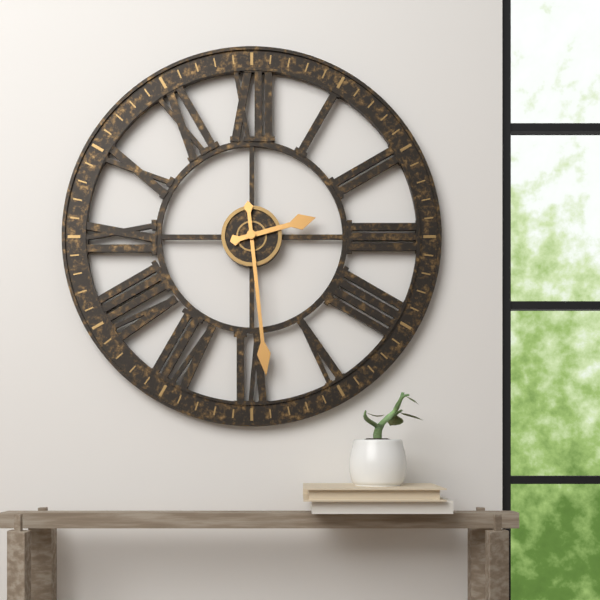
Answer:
2 h 29 min
